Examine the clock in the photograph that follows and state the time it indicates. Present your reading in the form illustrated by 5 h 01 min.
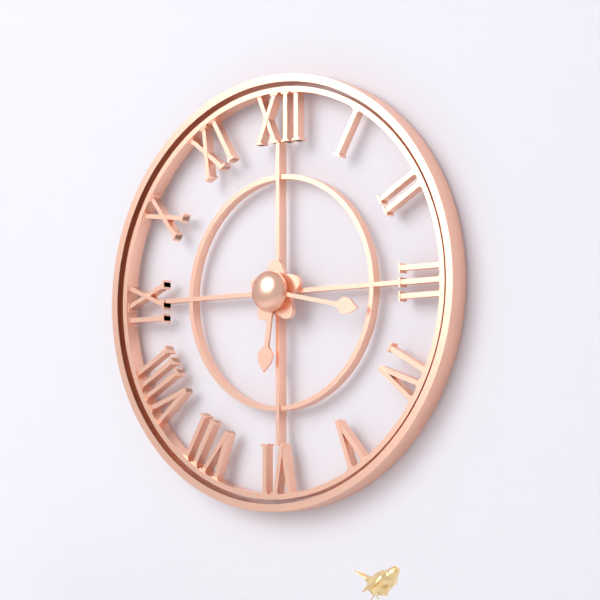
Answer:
6 h 17 min
